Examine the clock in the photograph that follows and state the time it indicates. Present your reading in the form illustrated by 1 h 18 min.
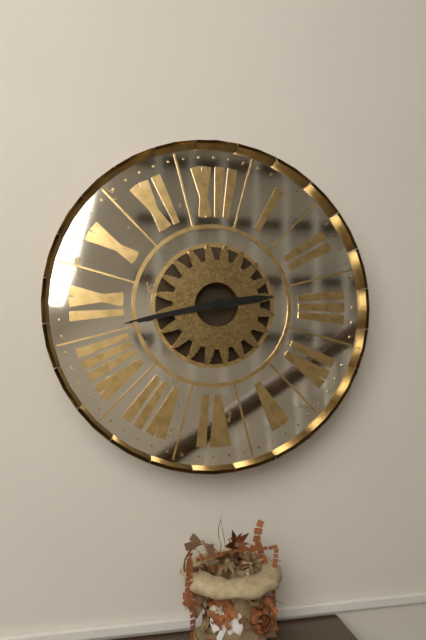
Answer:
2 h 43 min
